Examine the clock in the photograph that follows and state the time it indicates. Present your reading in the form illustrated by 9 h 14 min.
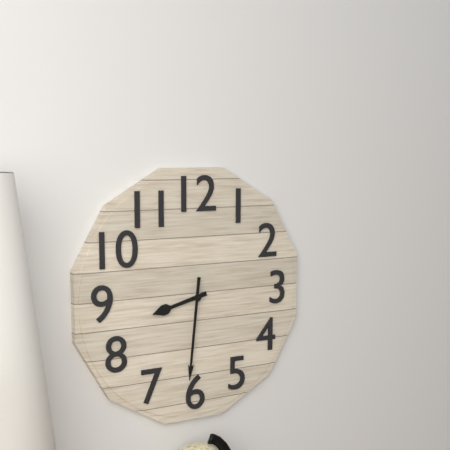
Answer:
8 h 31 min
